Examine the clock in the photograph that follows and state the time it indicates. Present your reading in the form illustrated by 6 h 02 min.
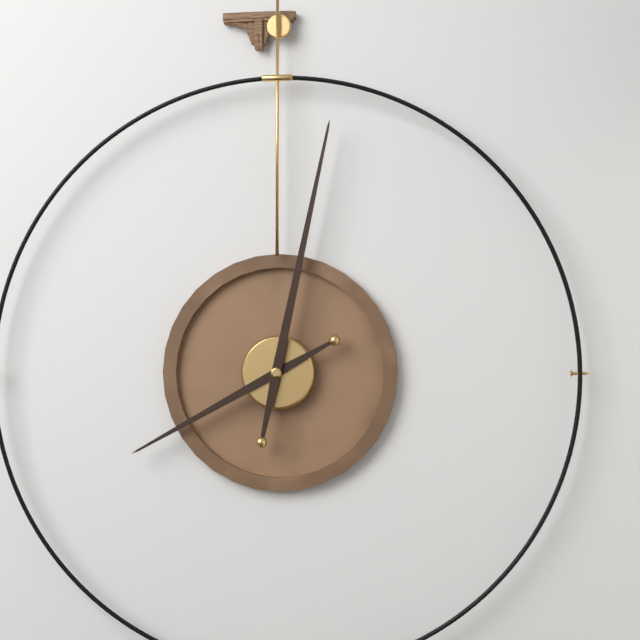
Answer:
8 h 02 min
